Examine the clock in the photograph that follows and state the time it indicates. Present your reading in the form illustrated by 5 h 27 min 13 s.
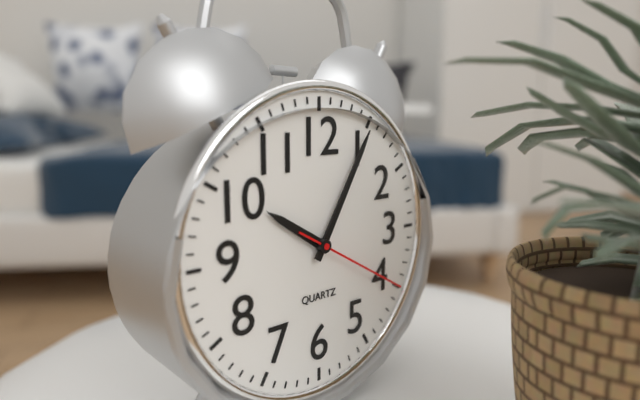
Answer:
10 h 05 min 20 s
